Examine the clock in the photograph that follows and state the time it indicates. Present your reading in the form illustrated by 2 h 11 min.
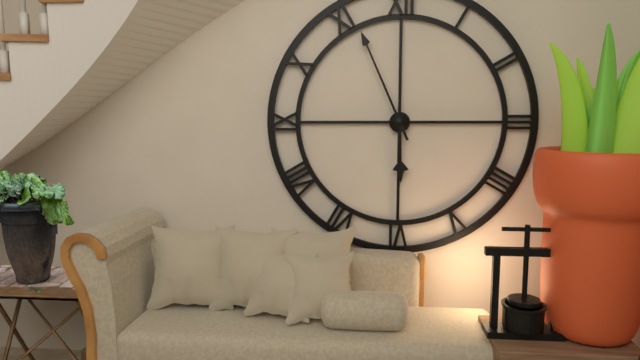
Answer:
5 h 56 min
